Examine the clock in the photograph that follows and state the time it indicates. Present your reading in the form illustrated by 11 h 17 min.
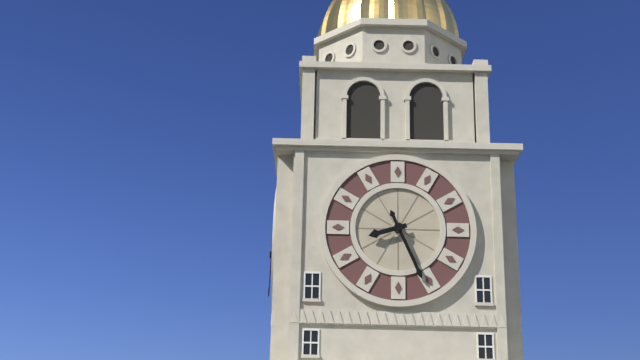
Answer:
8 h 26 min
